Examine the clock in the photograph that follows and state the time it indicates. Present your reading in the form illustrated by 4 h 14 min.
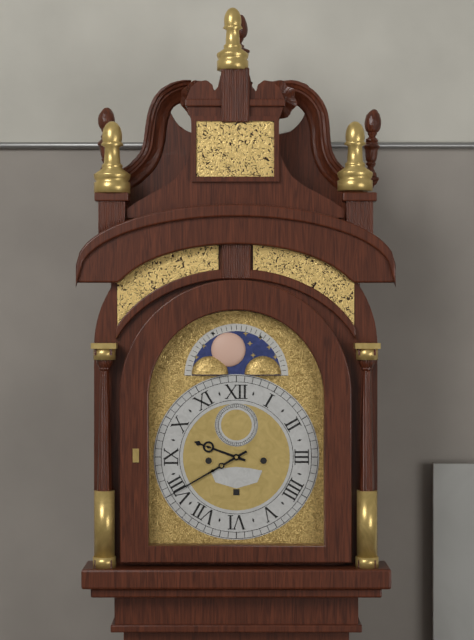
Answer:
9 h 40 min
